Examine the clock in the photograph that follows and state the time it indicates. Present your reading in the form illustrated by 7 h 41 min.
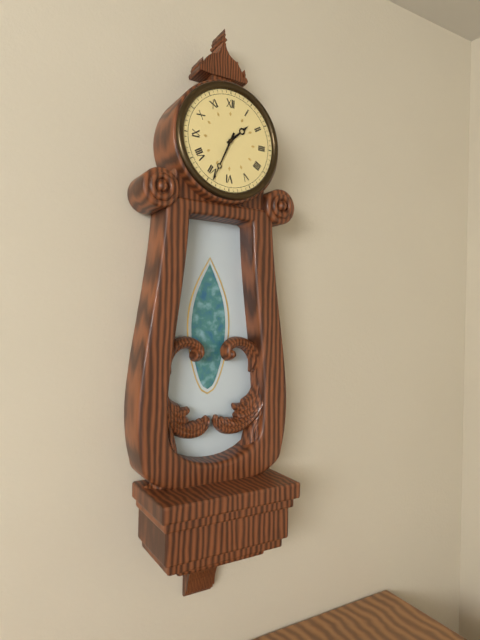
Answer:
1 h 34 min
